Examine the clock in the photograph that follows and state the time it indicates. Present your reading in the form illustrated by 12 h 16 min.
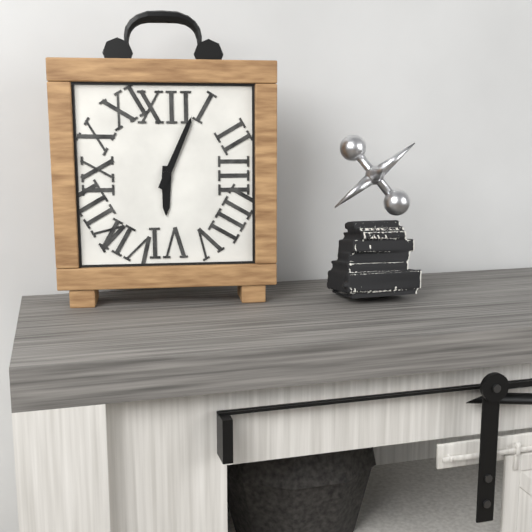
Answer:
6 h 04 min
